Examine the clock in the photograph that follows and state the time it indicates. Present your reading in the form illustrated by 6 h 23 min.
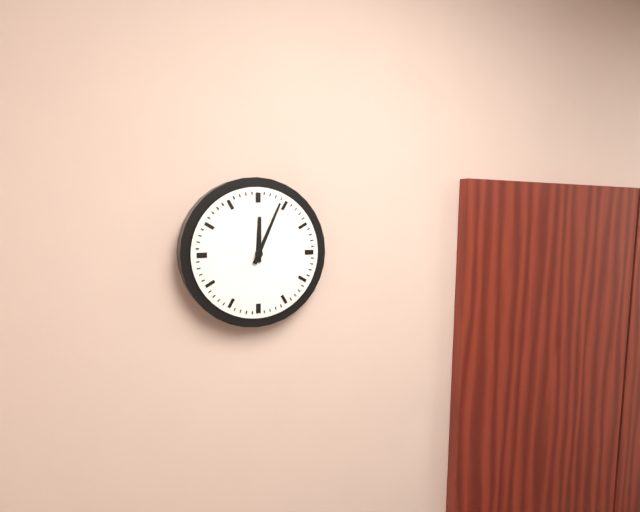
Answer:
12 h 04 min
